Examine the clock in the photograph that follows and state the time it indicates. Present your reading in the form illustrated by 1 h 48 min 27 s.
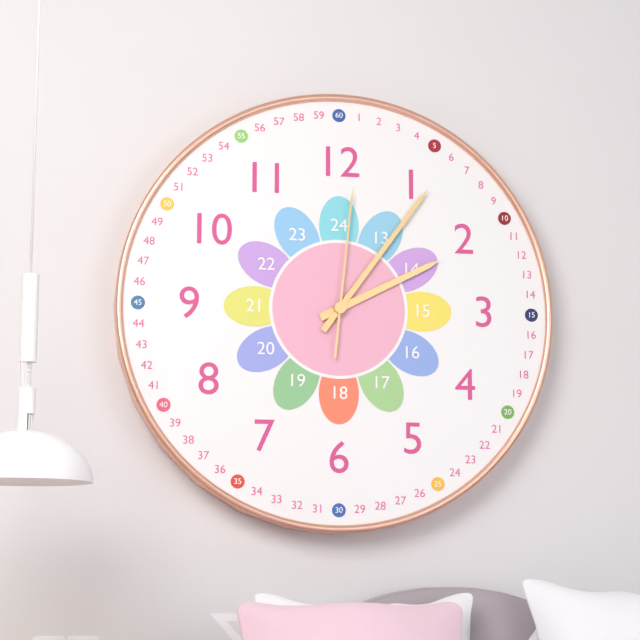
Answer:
2 h 06 min 01 s
